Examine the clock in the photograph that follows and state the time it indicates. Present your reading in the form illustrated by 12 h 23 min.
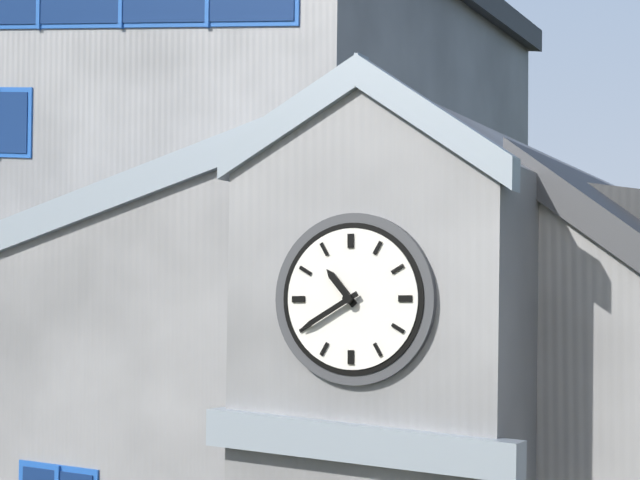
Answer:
10 h 40 min
